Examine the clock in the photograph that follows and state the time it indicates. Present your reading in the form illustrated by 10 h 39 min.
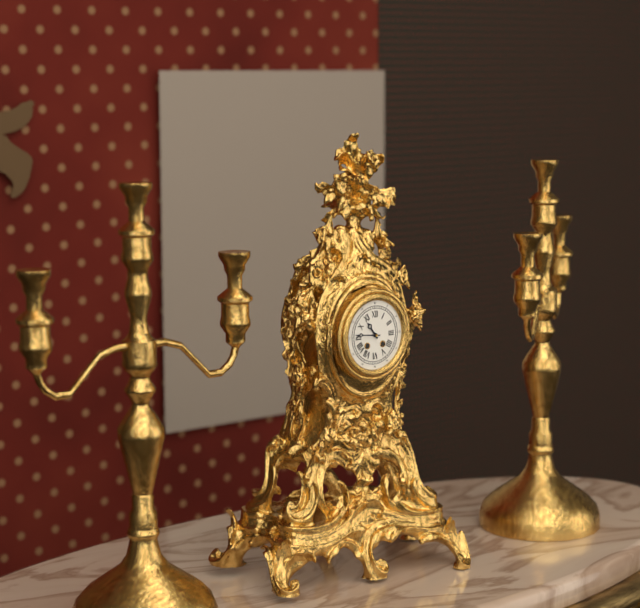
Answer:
10 h 46 min
